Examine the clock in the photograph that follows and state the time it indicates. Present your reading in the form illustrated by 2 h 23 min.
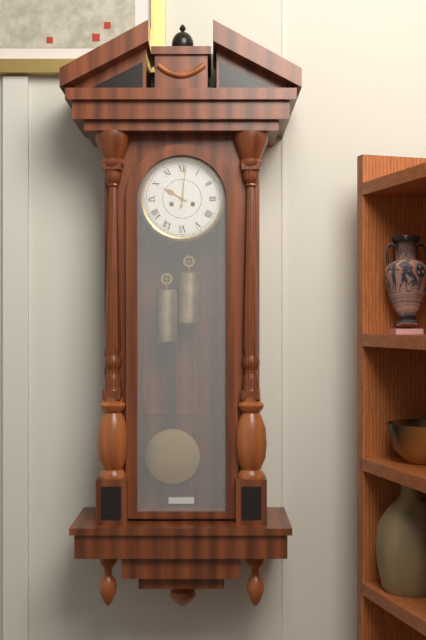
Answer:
10 h 01 min
